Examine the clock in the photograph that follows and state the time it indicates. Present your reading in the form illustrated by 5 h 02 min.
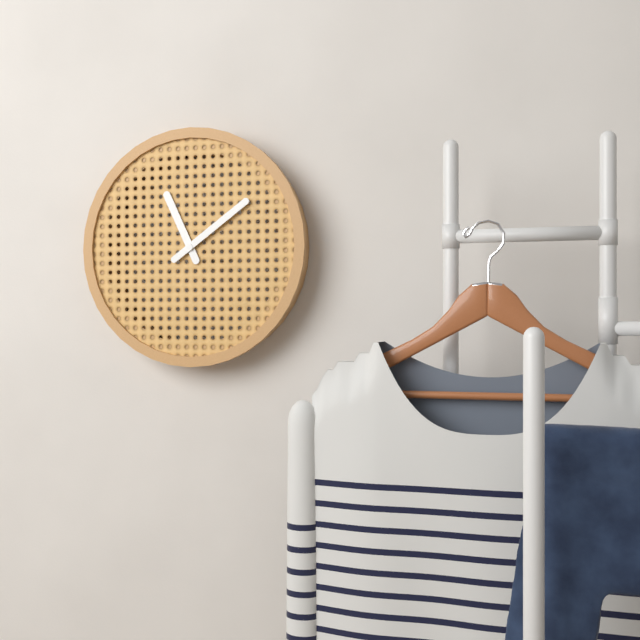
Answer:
11 h 09 min
